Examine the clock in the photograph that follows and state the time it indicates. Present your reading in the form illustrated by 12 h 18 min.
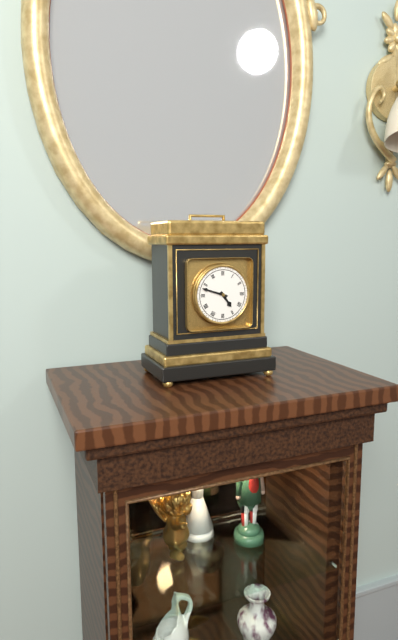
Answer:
4 h 48 min
